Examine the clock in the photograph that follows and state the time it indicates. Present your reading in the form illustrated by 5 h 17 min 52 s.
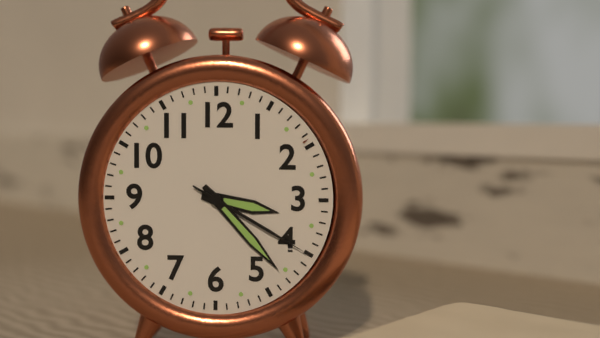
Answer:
3 h 23 min 20 s
